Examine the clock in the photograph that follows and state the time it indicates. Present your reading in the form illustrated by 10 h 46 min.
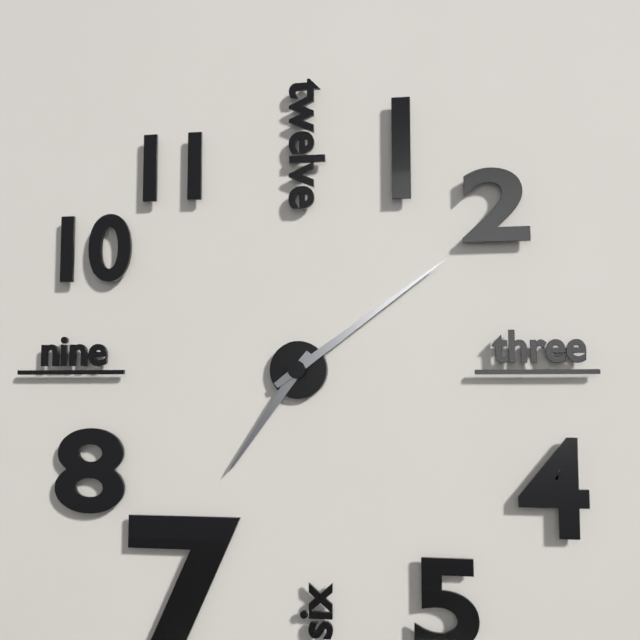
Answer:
7 h 09 min
